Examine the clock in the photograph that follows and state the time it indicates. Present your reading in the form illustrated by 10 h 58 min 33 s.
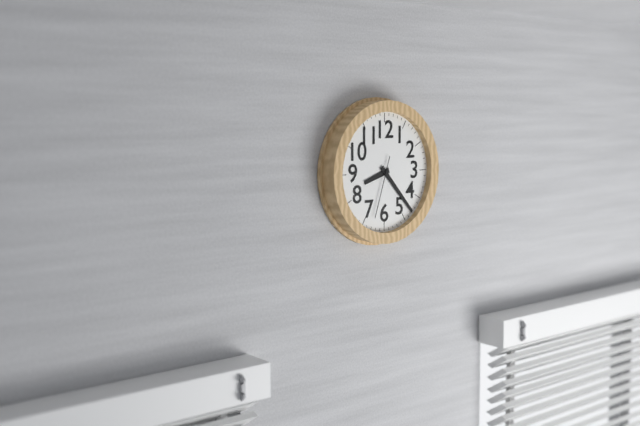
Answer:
8 h 23 min 33 s
